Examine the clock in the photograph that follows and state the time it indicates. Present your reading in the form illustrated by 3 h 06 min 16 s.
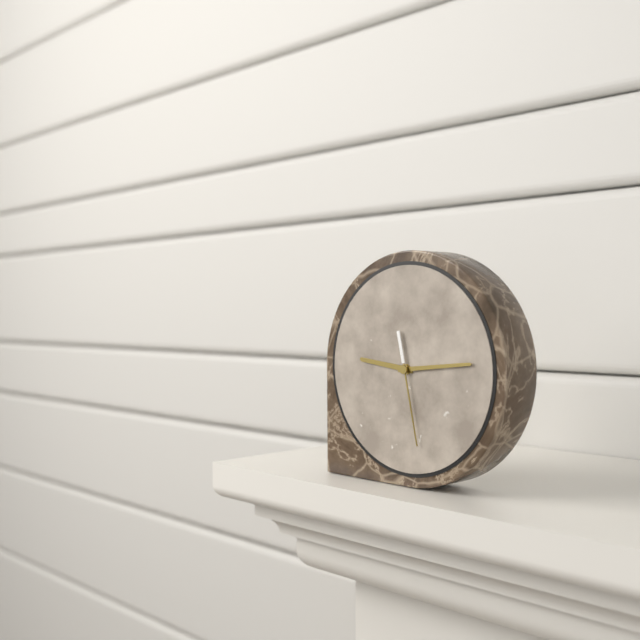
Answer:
9 h 14 min 28 s
